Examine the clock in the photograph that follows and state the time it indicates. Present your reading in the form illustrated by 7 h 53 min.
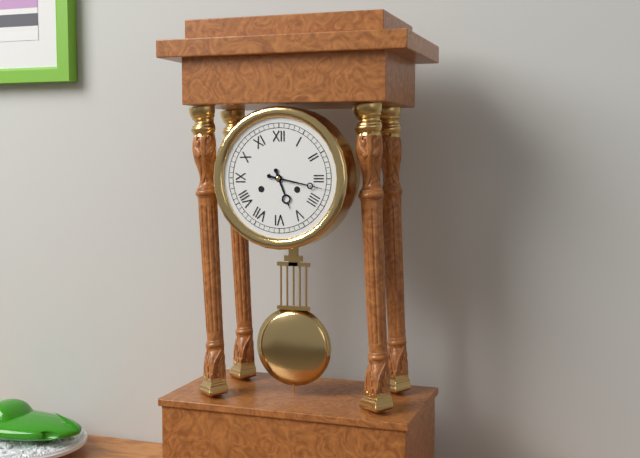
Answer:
5 h 17 min
